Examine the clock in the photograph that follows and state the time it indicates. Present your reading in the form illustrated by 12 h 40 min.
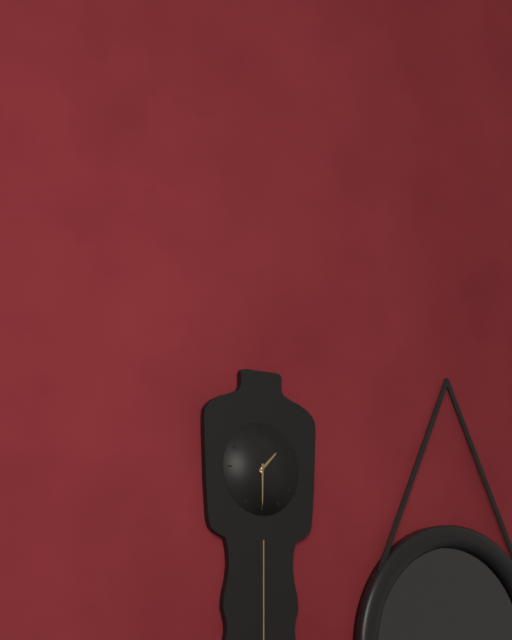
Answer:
1 h 30 min
